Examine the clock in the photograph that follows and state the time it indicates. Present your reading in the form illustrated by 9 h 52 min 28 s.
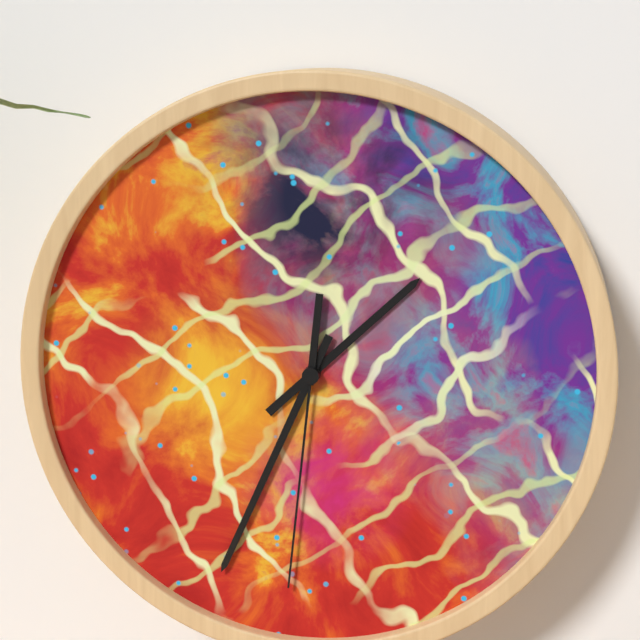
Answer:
1 h 34 min 31 s
